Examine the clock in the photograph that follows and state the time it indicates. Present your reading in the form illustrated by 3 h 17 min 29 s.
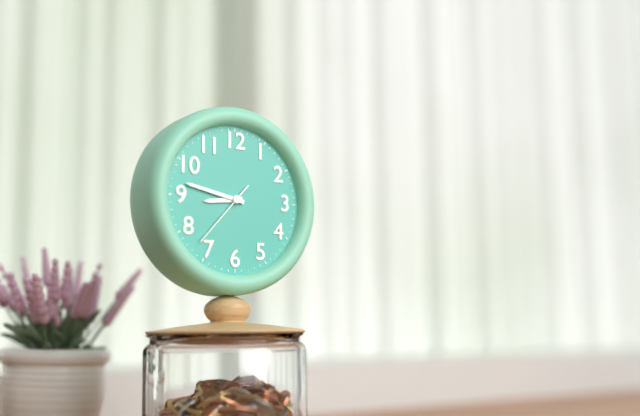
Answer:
8 h 47 min 37 s
